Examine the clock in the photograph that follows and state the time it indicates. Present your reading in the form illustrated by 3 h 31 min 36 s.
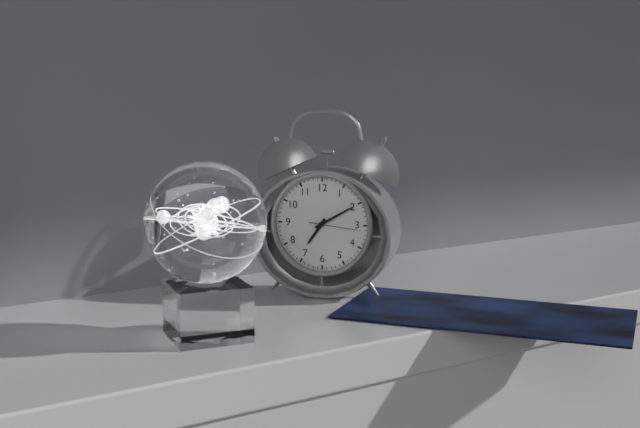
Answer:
7 h 10 min 16 s
